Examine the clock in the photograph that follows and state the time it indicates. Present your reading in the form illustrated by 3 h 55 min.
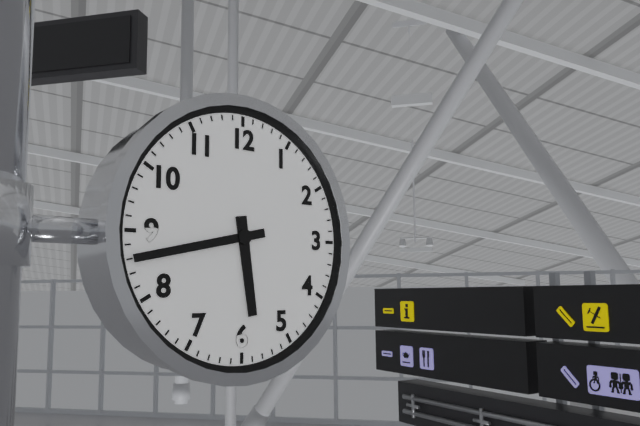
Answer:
5 h 43 min
